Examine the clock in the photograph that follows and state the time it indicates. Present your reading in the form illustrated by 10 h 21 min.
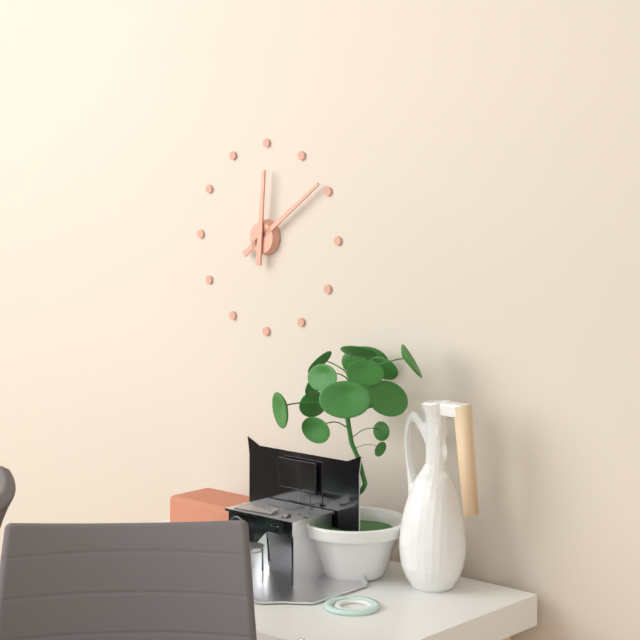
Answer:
12 h 09 min
